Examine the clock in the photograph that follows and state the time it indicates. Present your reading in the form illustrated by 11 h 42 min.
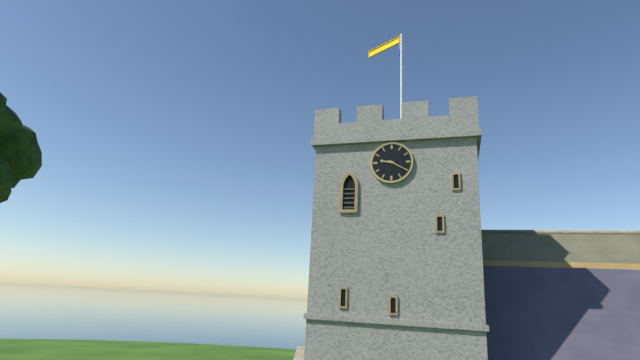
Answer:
9 h 20 min
